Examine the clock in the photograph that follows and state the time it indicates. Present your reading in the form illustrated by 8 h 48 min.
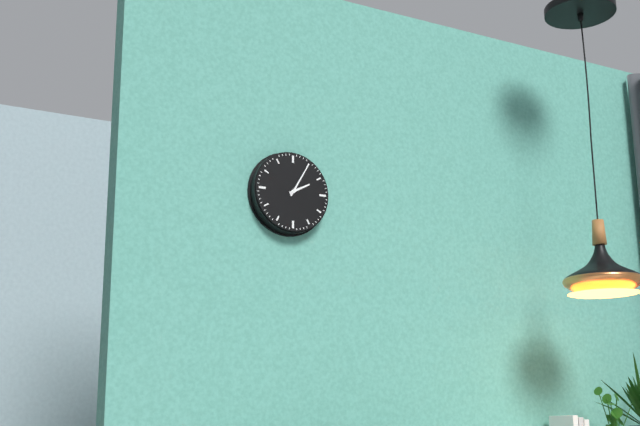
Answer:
2 h 05 min
